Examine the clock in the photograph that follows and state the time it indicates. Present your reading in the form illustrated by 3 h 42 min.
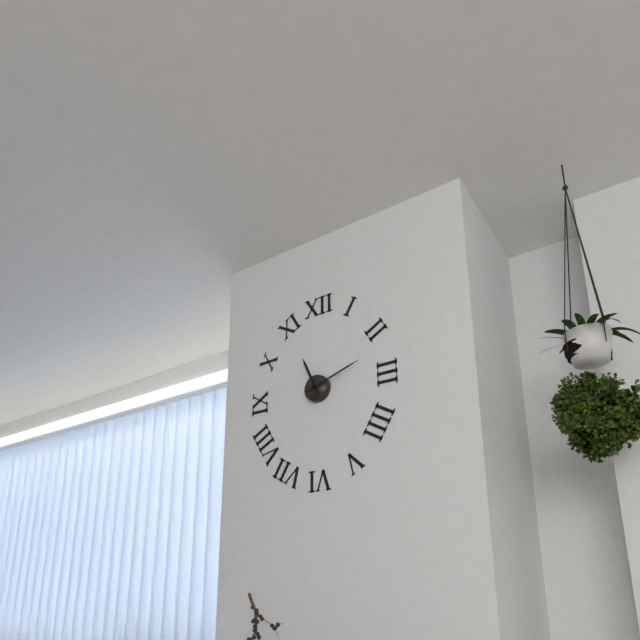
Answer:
11 h 12 min
